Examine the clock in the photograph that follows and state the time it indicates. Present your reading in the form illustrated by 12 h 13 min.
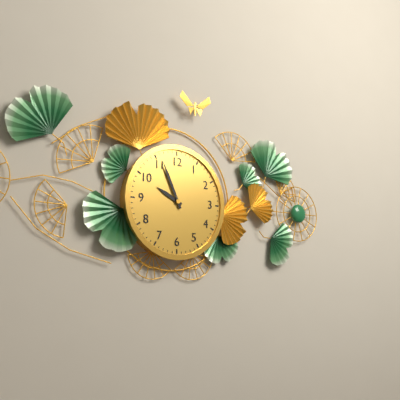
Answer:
9 h 56 min
